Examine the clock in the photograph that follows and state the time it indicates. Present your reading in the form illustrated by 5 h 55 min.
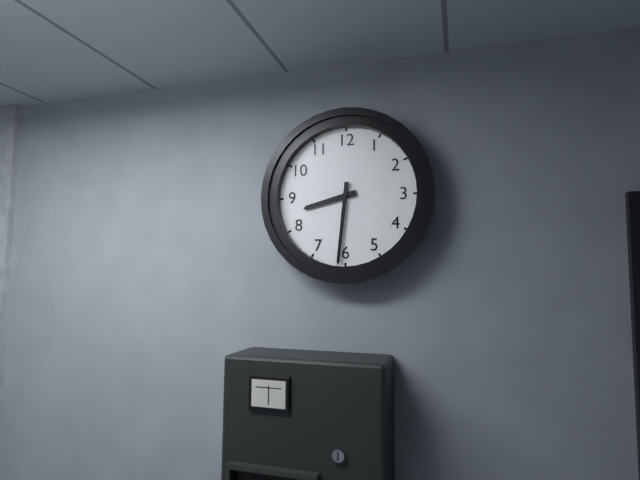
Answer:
8 h 31 min
